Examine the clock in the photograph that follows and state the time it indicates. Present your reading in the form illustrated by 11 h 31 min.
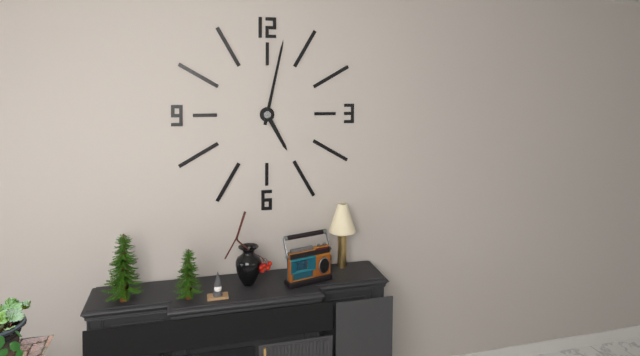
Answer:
5 h 02 min
